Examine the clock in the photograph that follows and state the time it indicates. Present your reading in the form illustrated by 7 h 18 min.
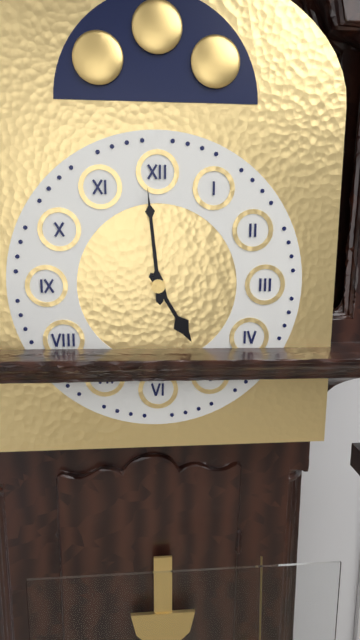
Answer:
4 h 59 min
